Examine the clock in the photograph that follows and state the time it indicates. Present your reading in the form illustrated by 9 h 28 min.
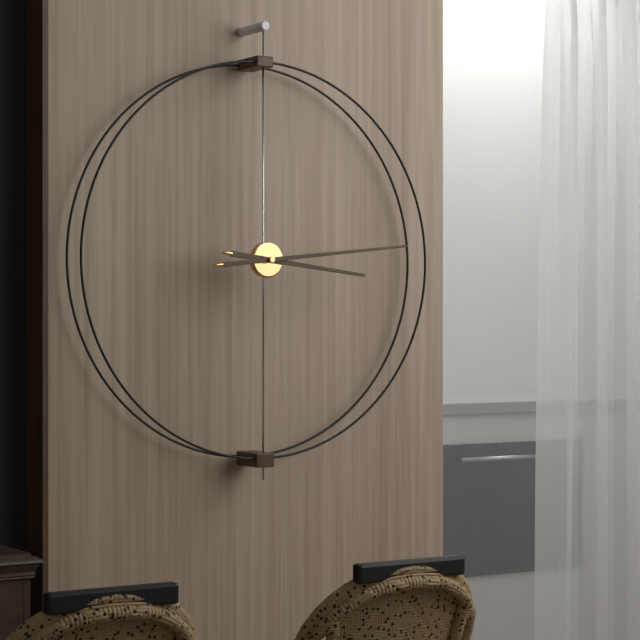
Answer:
3 h 14 min
